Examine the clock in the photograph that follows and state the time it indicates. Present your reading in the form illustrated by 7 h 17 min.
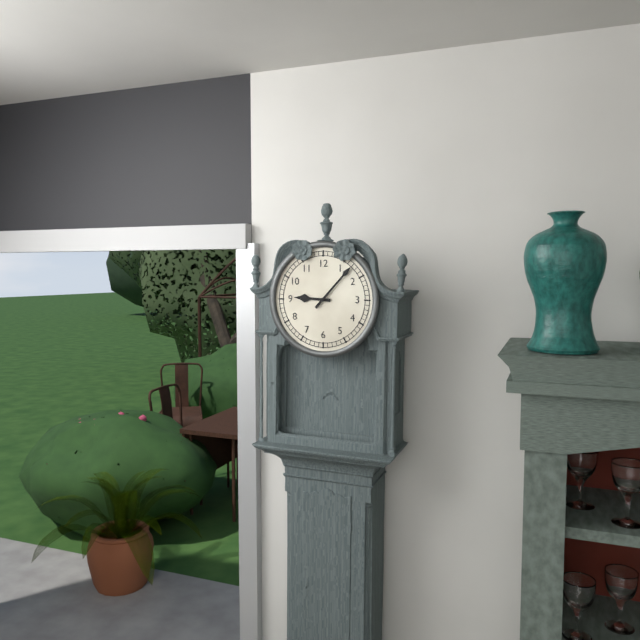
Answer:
9 h 07 min
